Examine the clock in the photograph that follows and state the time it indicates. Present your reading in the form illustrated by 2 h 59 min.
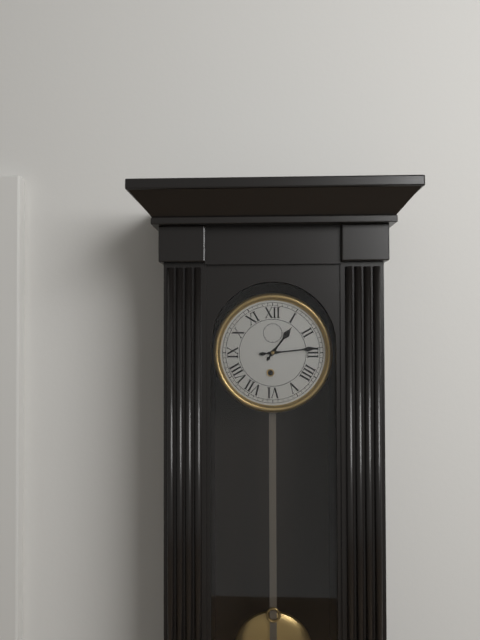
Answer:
1 h 14 min
